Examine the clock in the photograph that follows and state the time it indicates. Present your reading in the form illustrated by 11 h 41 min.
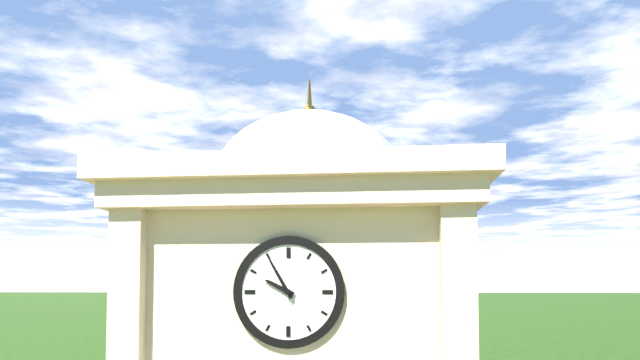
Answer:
9 h 55 min
